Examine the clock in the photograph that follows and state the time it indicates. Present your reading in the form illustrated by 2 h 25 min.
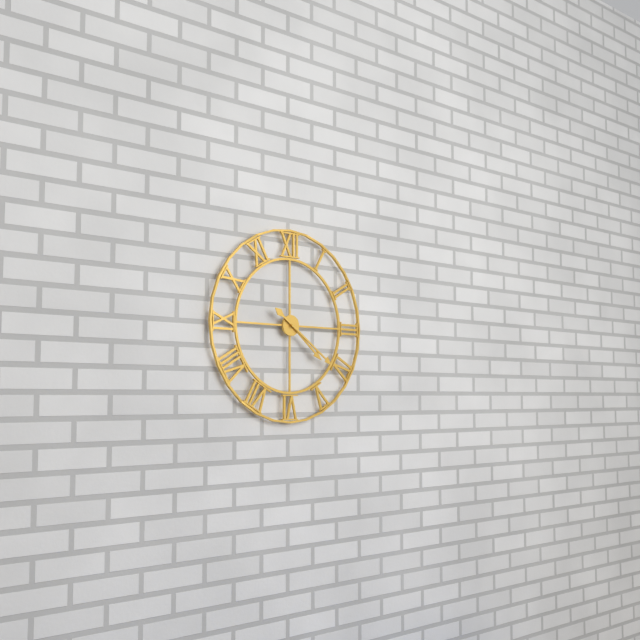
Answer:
4 h 21 min
